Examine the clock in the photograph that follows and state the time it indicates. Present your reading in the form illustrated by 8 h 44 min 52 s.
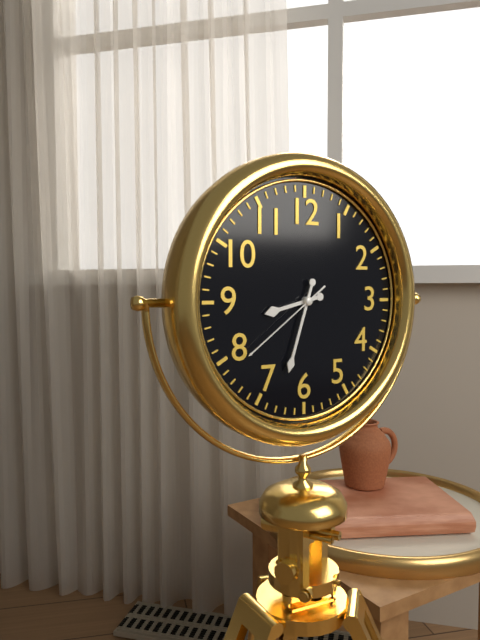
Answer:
8 h 33 min 39 s
